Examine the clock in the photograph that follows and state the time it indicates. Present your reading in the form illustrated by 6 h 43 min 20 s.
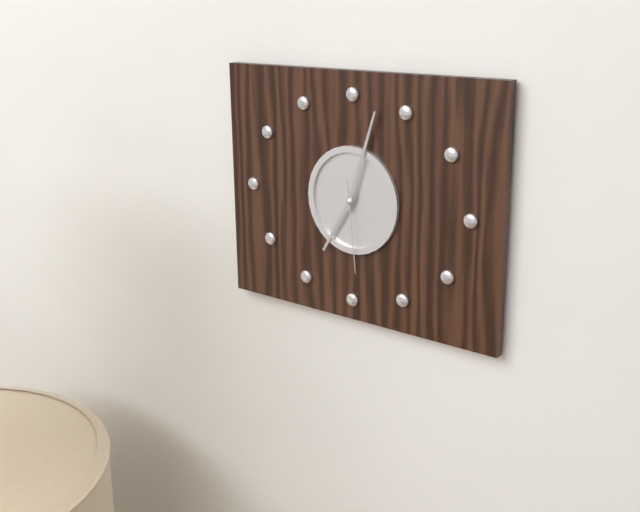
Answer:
7 h 03 min 29 s
